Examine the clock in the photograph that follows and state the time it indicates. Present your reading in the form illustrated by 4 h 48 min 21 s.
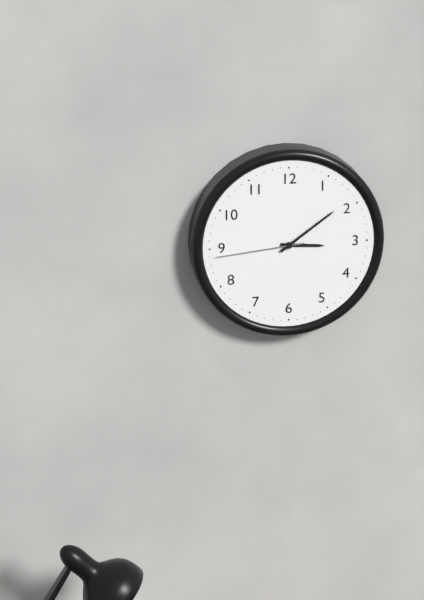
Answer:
3 h 09 min 44 s
